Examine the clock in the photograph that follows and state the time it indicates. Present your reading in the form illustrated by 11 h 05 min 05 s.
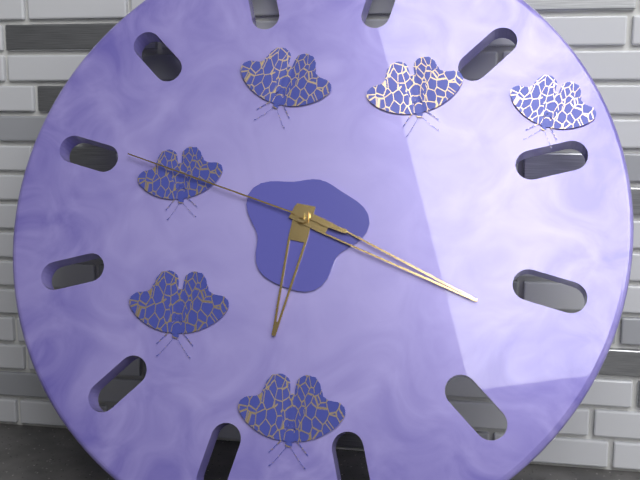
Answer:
6 h 19 min 48 s
